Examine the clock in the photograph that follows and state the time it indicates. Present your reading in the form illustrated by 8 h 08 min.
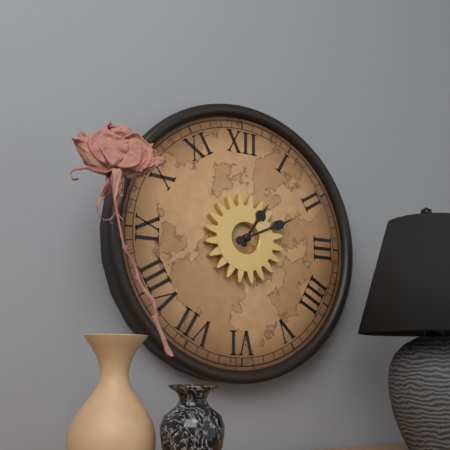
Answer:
1 h 11 min
